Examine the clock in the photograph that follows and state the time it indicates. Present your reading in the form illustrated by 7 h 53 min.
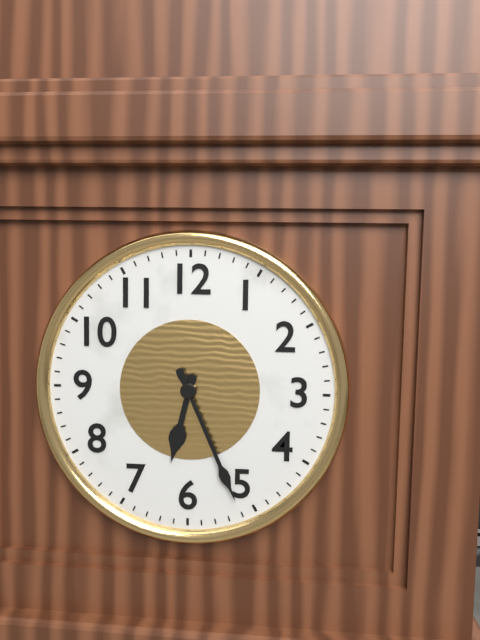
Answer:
6 h 26 min
